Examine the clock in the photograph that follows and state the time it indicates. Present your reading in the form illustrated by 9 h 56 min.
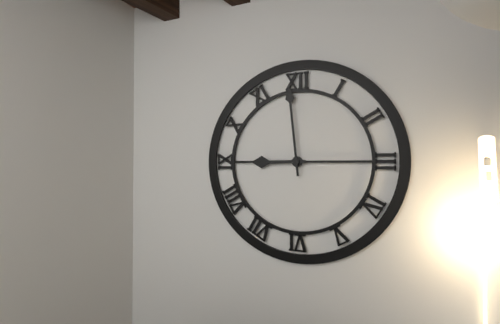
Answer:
8 h 59 min
